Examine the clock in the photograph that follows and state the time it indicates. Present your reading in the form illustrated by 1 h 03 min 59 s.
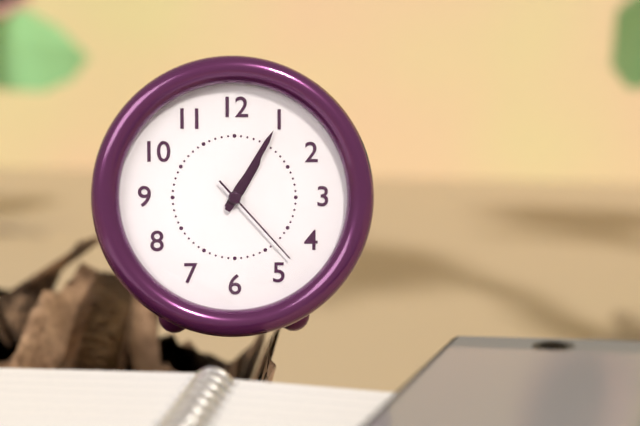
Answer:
1 h 05 min 23 s
